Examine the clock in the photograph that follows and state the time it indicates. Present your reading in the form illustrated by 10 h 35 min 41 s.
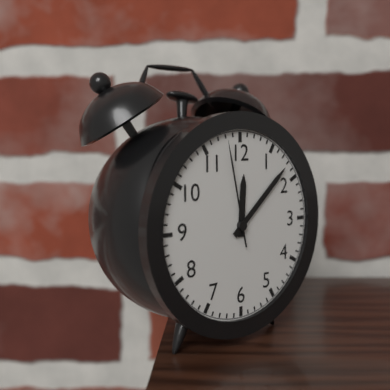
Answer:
12 h 08 min 58 s
